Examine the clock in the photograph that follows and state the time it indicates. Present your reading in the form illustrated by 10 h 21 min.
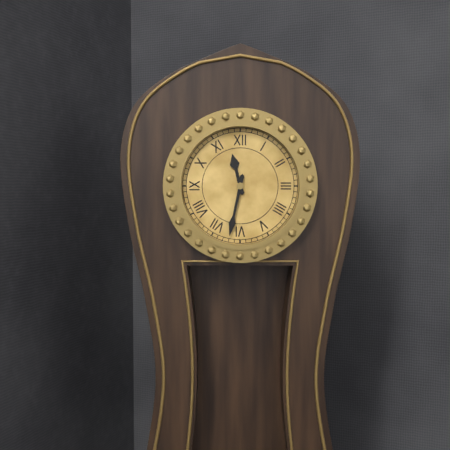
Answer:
11 h 32 min
